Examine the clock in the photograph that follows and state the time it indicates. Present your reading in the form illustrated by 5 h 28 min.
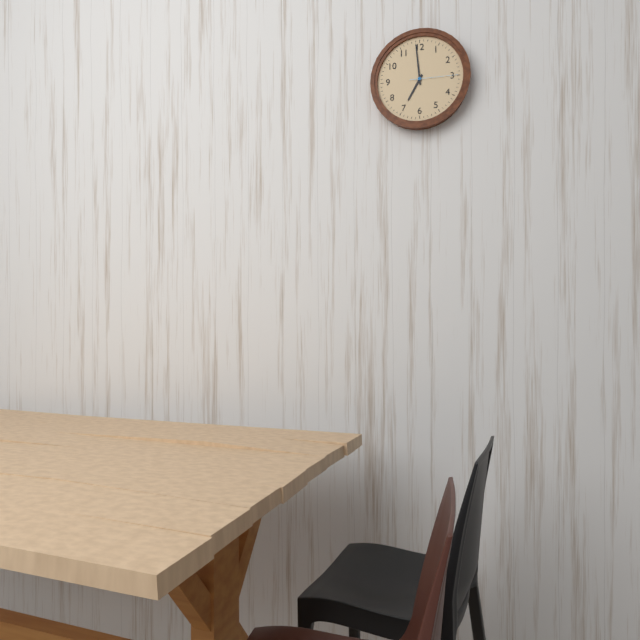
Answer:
6 h 59 min
